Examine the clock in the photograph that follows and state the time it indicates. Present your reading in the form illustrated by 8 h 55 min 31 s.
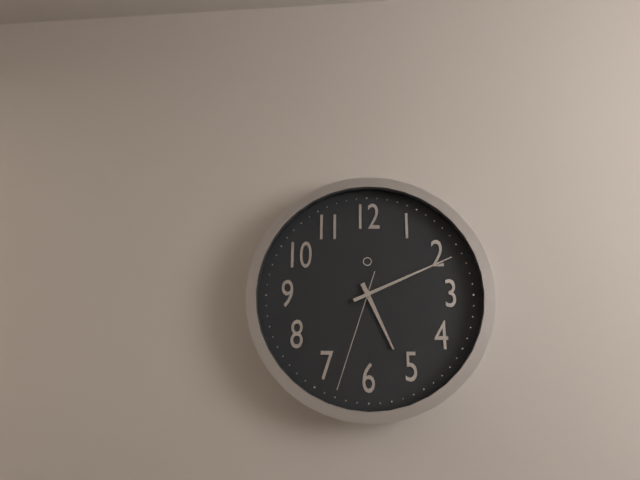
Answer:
5 h 11 min 33 s
